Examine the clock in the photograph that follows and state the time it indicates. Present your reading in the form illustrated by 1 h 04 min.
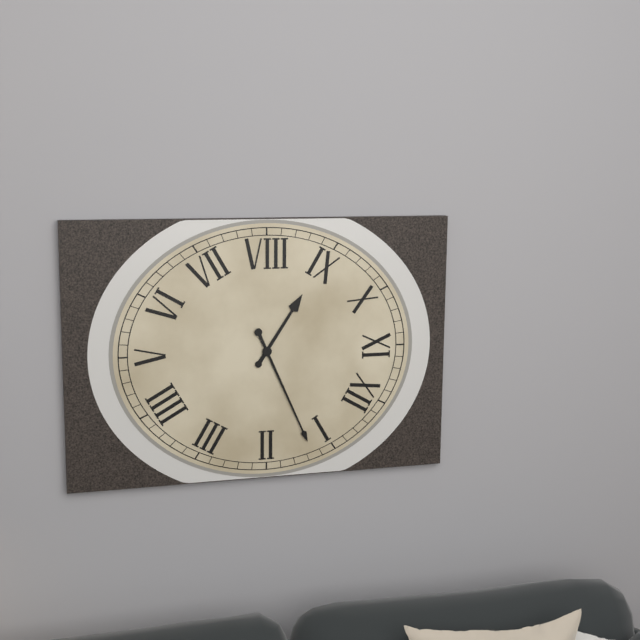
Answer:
9 h 06 min
